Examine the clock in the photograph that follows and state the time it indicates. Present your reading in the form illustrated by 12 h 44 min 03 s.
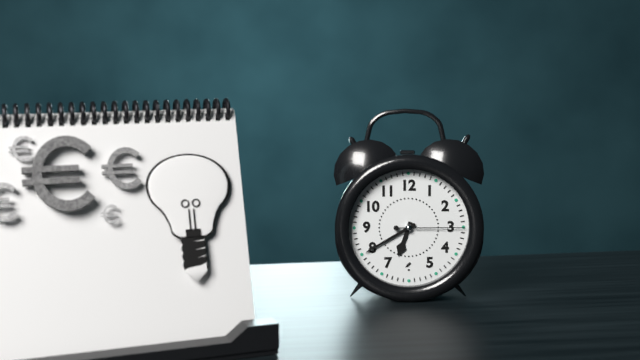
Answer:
6 h 40 min 15 s
